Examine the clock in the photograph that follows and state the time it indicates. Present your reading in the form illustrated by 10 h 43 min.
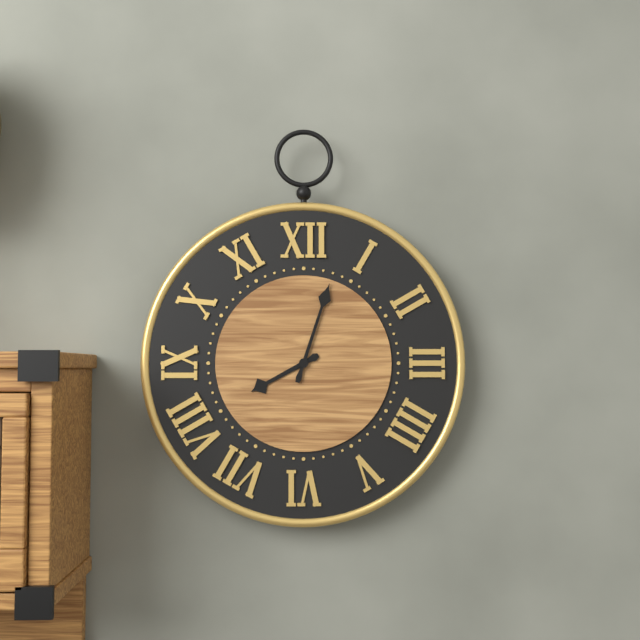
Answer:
8 h 03 min
